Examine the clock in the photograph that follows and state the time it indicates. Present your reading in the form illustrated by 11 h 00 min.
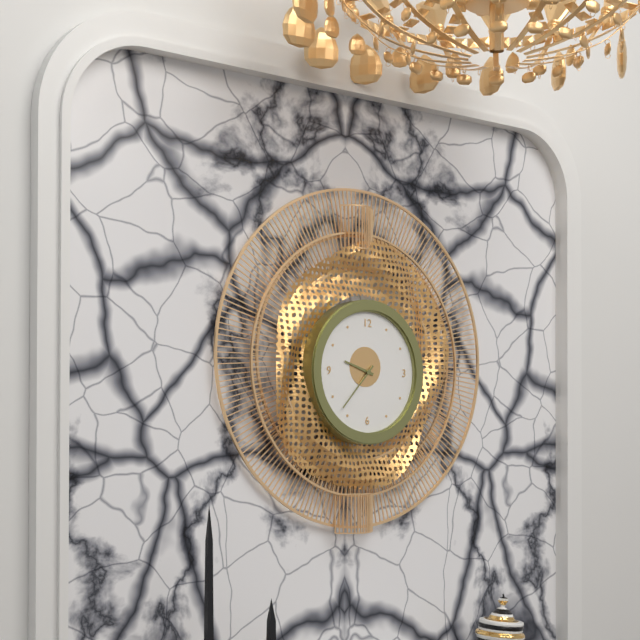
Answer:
9 h 37 min
